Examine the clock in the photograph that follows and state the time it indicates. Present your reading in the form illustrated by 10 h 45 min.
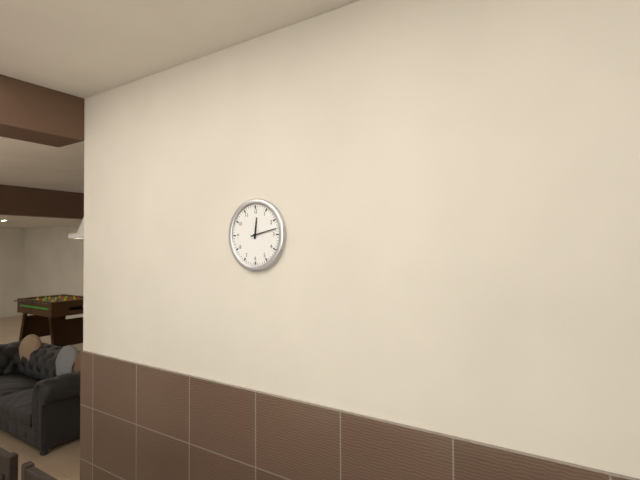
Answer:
12 h 13 min
